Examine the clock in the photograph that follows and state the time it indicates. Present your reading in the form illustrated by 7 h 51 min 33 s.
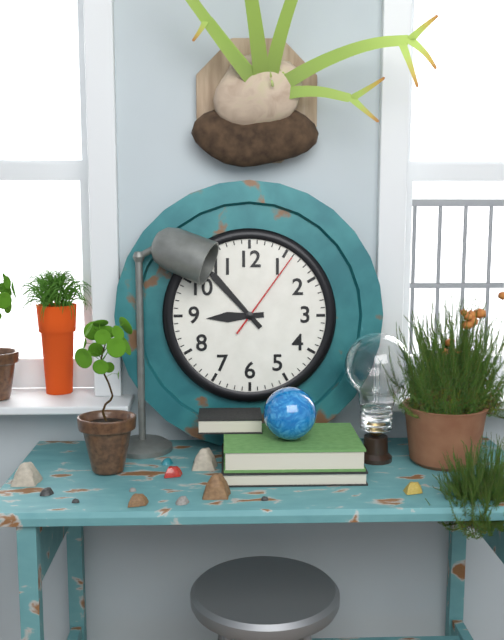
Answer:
8 h 53 min 06 s
